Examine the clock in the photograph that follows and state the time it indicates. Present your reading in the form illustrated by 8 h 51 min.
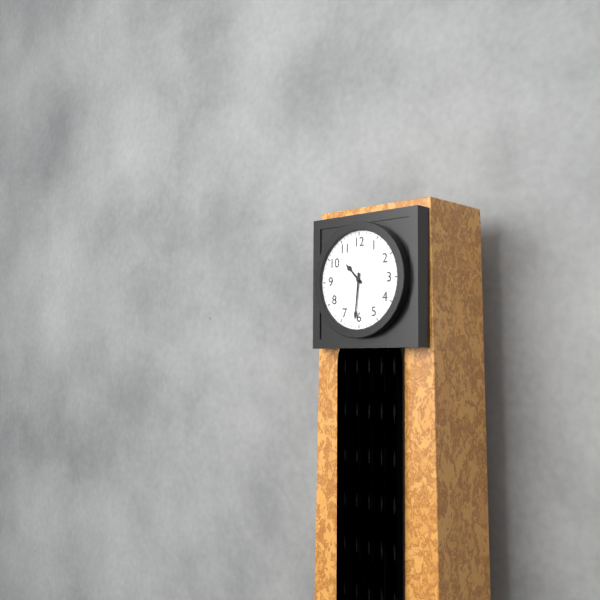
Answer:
10 h 31 min
